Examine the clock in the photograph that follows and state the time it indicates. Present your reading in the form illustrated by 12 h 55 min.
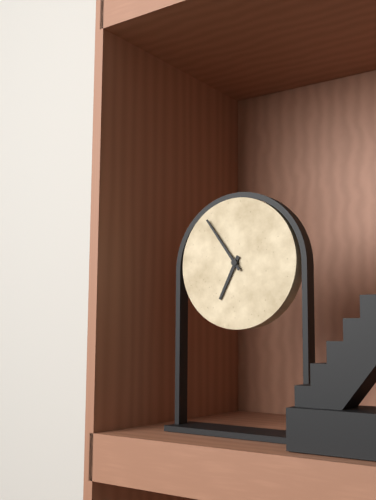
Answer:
6 h 54 min
